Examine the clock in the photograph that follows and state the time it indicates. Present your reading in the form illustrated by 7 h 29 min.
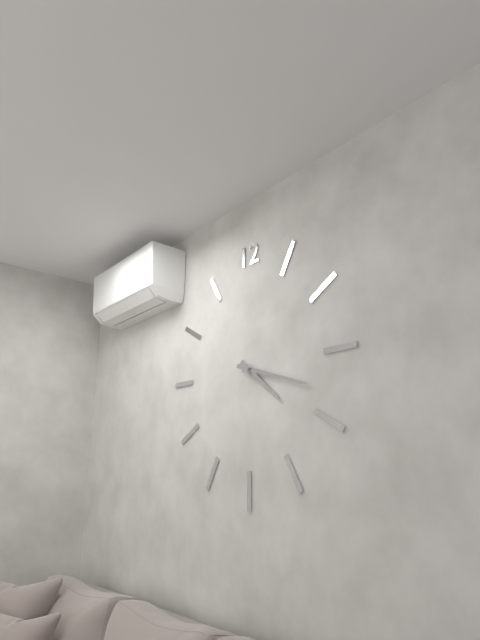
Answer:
4 h 18 min
